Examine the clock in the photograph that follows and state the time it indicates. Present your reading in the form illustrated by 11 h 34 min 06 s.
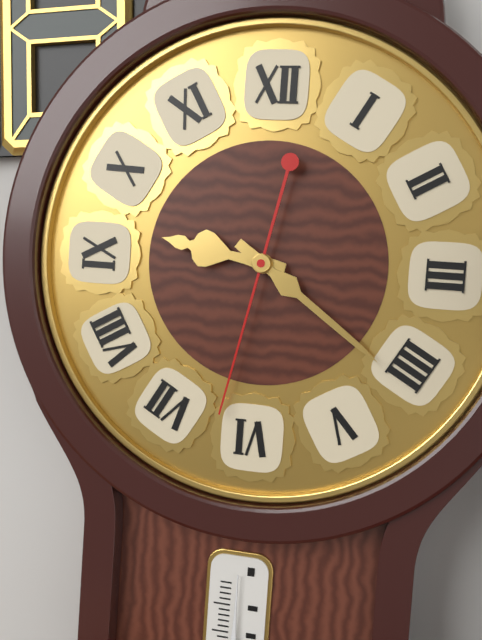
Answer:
9 h 21 min 32 s
